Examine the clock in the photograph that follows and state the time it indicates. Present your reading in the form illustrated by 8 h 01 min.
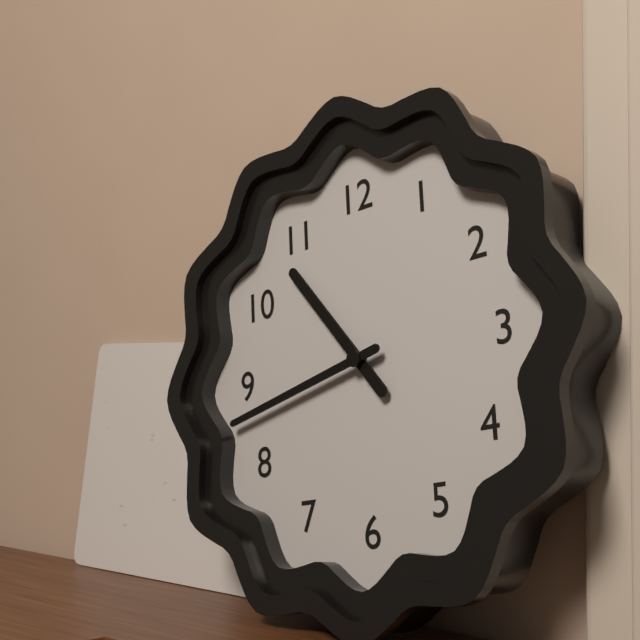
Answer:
10 h 43 min
